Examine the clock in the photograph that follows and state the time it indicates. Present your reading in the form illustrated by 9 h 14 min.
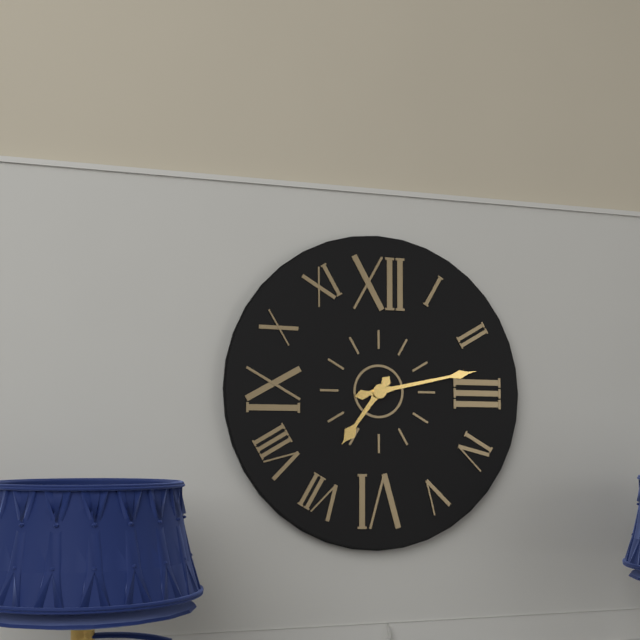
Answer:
7 h 13 min
